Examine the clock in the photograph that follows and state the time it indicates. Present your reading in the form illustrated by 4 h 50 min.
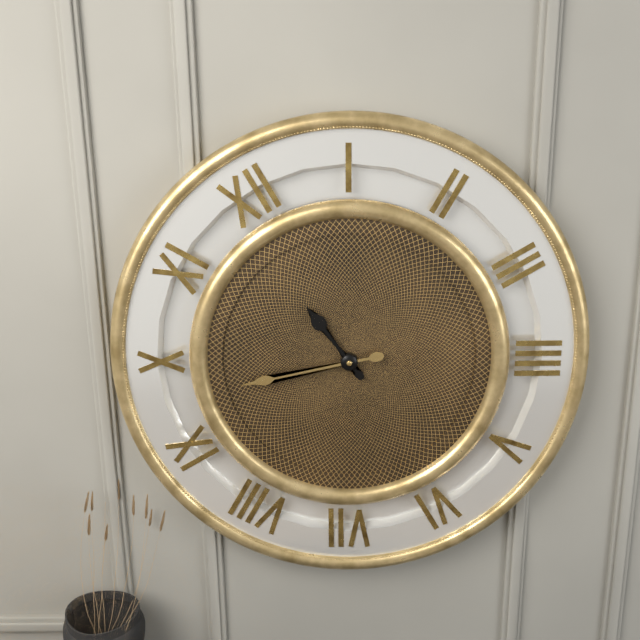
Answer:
11 h 48 min
